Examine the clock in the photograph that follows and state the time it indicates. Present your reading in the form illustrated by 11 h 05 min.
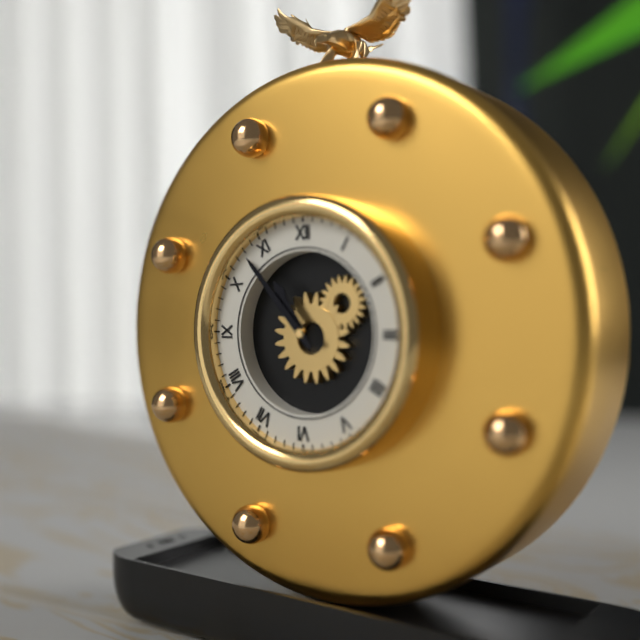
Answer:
10 h 53 min
